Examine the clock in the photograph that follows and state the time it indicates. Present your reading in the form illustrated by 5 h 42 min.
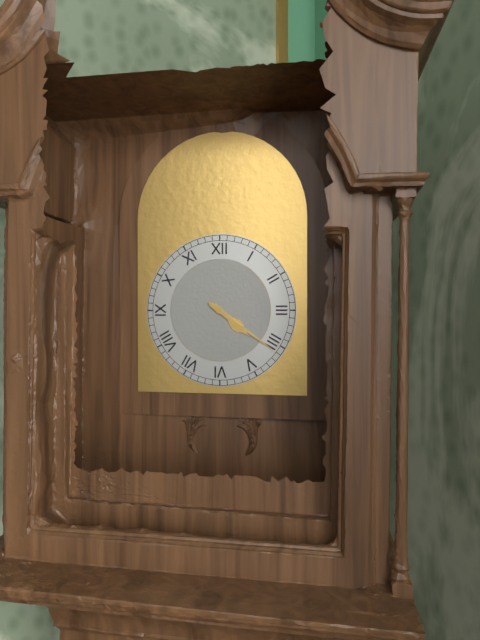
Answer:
4 h 21 min
